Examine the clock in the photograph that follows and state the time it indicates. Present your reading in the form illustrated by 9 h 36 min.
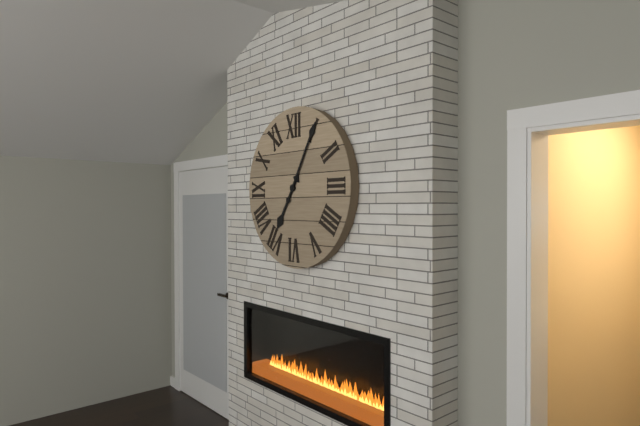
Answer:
7 h 05 min
